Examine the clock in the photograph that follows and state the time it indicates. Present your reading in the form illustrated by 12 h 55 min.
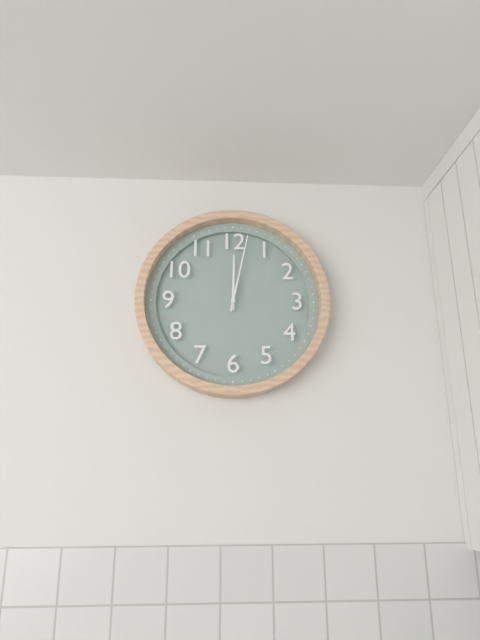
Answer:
12 h 02 min
